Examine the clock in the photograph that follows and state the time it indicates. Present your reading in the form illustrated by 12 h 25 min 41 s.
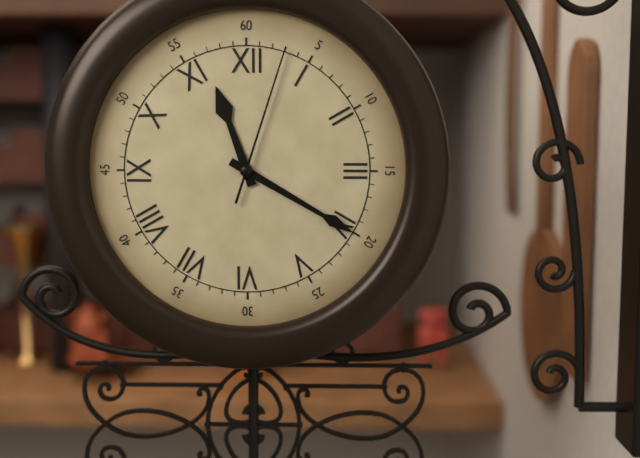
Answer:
11 h 20 min 03 s
